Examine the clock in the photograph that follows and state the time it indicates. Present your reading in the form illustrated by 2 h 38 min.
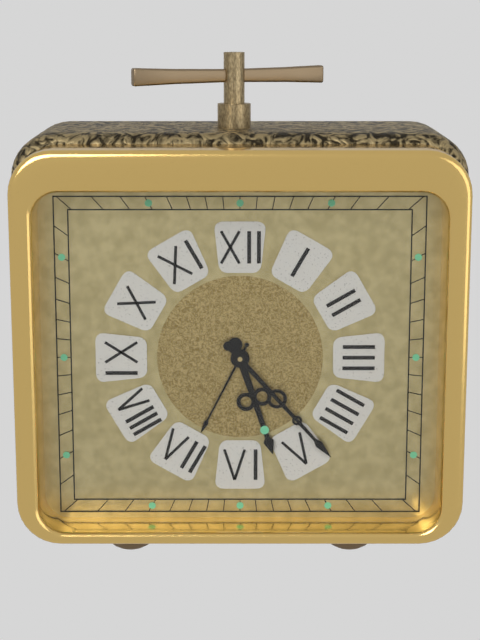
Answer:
5 h 23 min
